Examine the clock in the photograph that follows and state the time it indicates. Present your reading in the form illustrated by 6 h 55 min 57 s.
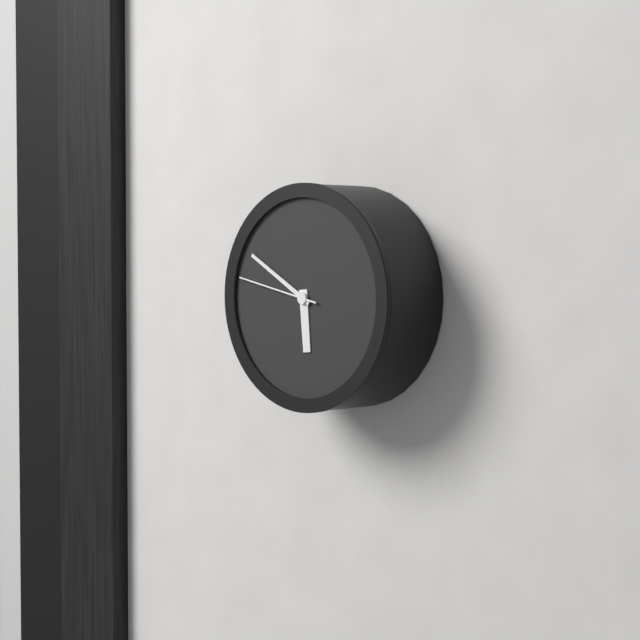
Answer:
5 h 50 min 47 s
